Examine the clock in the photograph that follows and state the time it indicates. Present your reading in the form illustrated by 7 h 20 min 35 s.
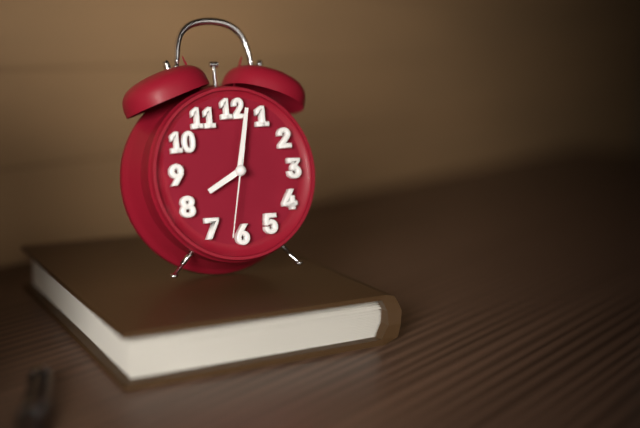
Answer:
8 h 02 min 32 s
